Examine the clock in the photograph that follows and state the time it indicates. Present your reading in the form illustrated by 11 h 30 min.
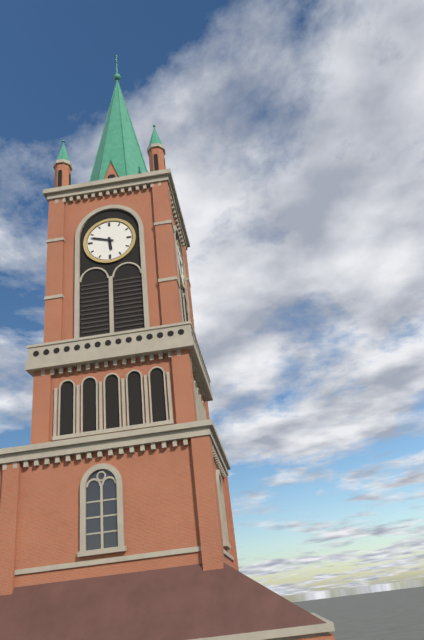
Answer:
5 h 48 min
